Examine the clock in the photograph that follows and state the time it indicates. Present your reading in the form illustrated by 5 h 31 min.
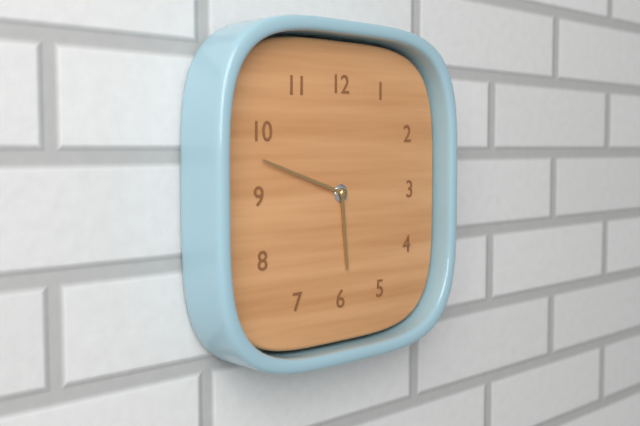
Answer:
5 h 48 min
